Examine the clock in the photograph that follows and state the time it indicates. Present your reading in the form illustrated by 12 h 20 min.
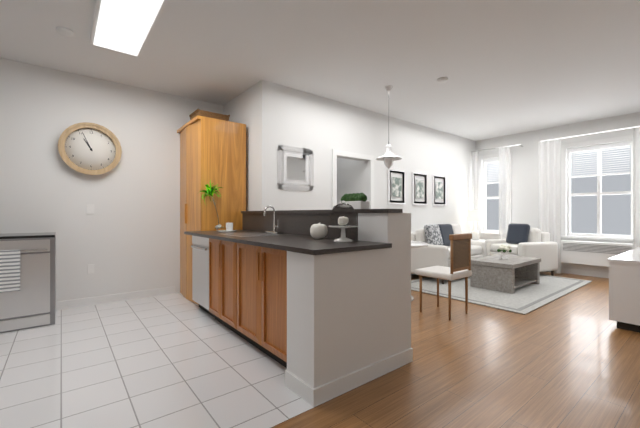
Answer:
10 h 56 min
